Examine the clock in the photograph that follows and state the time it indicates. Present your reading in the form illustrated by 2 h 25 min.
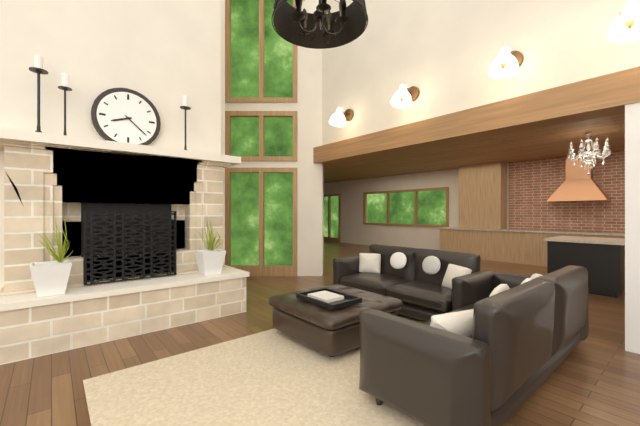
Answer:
8 h 22 min
